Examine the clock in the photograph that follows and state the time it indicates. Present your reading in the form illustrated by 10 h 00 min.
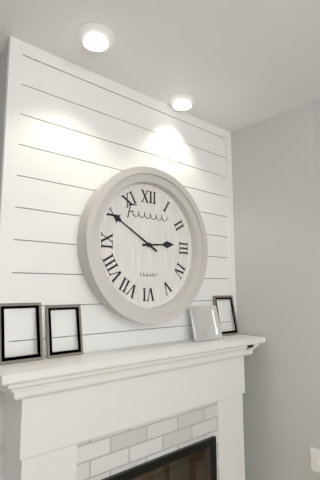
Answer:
2 h 50 min
